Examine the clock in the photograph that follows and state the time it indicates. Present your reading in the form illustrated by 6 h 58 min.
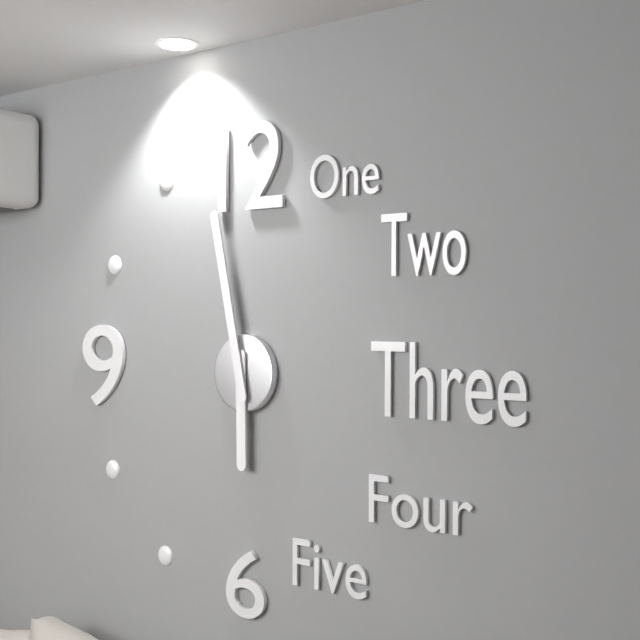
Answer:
5 h 58 min
